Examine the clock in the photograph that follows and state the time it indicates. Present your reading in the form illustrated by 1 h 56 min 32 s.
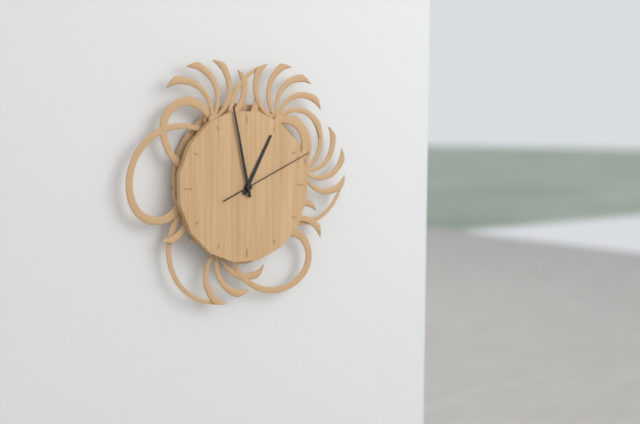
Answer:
12 h 58 min 11 s
